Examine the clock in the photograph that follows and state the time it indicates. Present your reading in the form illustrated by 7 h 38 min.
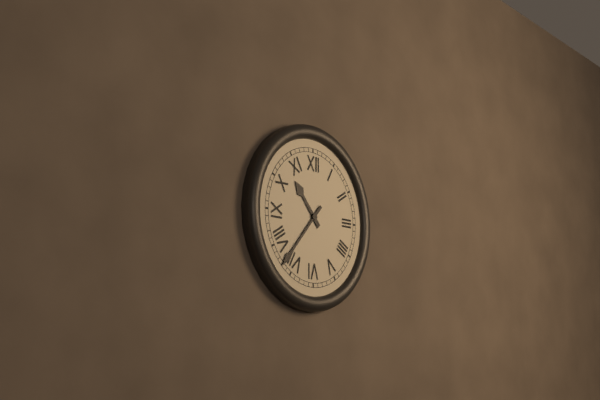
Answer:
10 h 37 min
